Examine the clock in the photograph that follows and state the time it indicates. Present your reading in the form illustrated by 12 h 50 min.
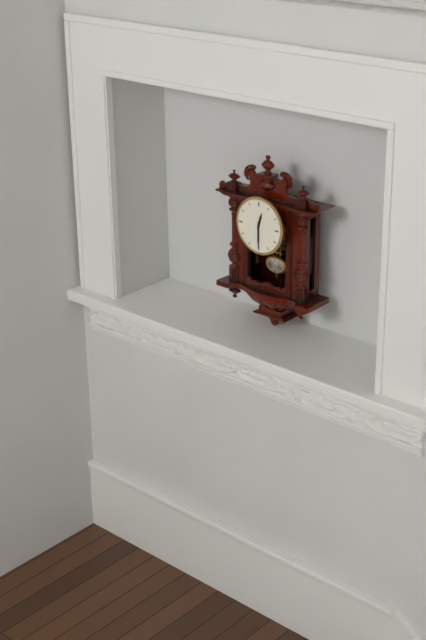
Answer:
12 h 30 min
